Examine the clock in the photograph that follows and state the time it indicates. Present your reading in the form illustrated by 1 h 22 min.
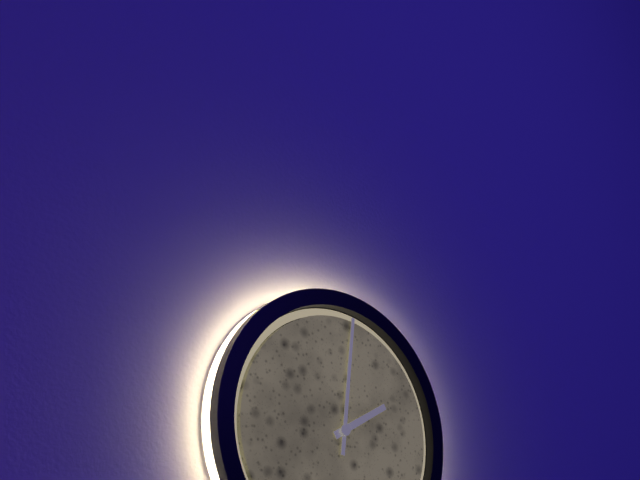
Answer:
2 h 01 min
